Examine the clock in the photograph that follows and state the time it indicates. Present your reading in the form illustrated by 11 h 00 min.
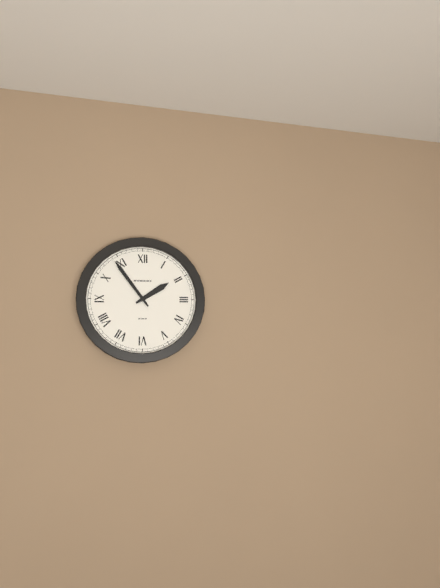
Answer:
1 h 54 min
